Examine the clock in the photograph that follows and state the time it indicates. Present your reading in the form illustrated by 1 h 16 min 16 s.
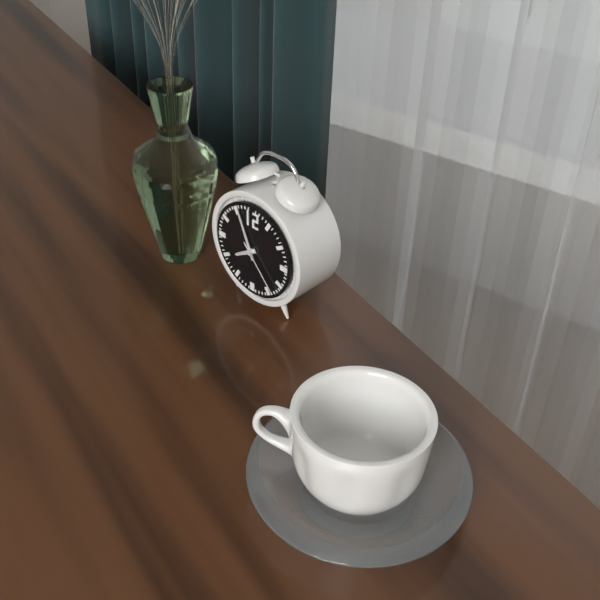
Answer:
7 h 56 min 23 s
